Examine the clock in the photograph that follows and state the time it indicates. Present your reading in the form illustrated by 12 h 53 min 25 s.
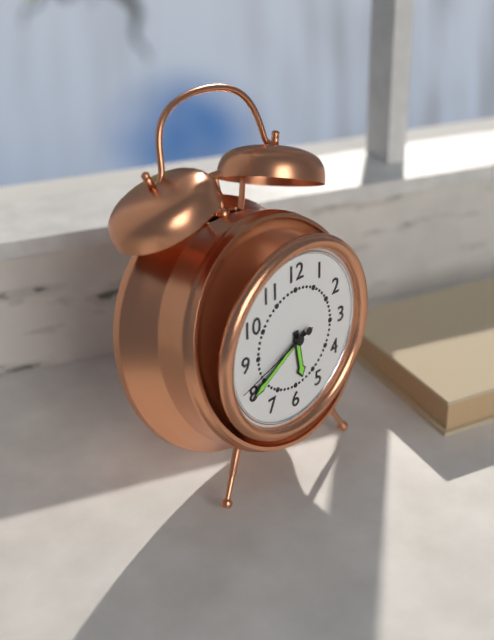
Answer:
5 h 40 min 42 s
